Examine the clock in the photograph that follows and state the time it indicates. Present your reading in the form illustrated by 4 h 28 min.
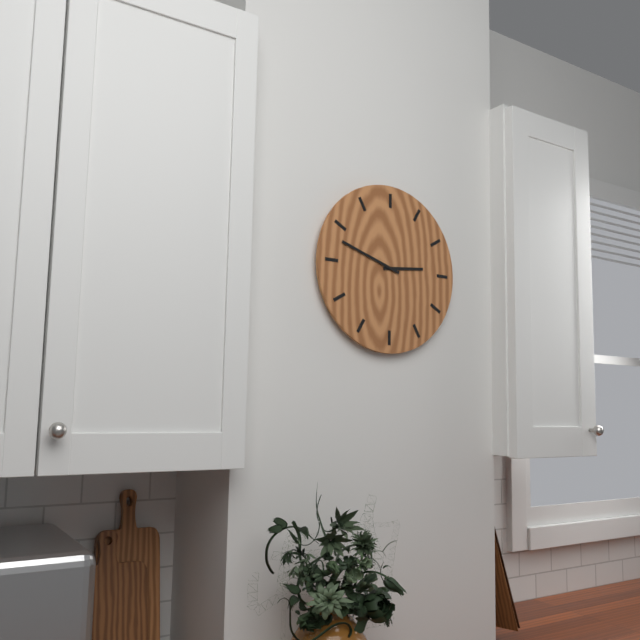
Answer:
2 h 48 min
